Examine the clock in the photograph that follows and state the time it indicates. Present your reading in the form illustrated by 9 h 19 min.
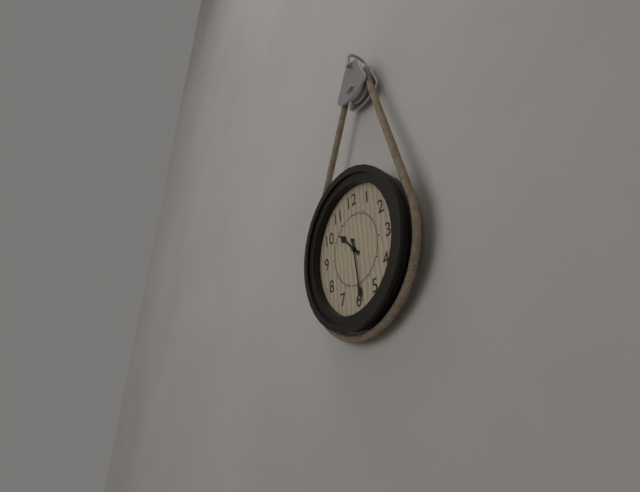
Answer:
10 h 29 min
